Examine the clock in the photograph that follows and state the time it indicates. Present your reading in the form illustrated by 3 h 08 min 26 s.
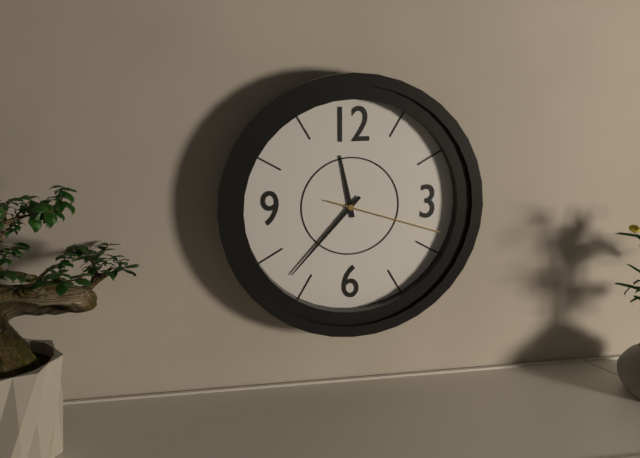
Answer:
11 h 37 min 18 s
